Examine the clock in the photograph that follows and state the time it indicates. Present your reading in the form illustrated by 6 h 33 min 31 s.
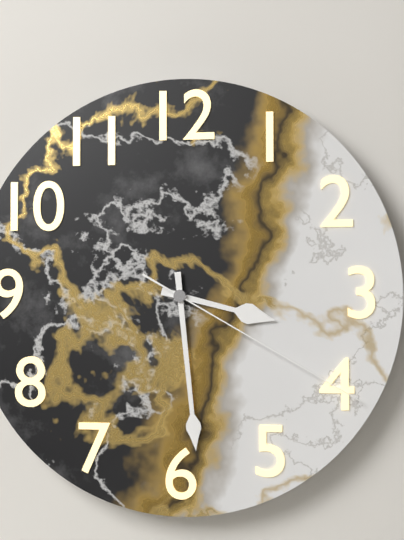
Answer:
3 h 29 min 20 s
